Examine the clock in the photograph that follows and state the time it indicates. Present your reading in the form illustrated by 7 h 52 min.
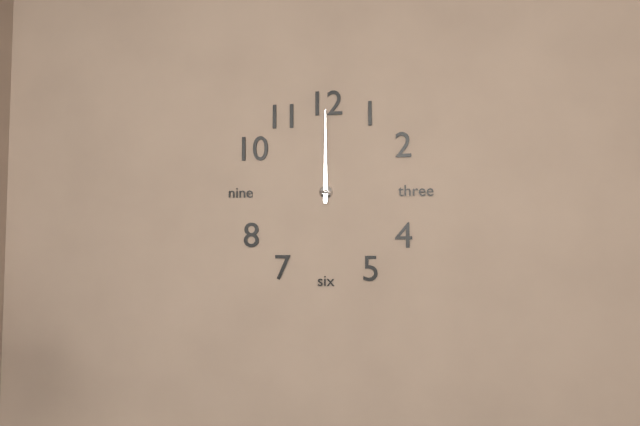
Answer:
12 h 00 min
